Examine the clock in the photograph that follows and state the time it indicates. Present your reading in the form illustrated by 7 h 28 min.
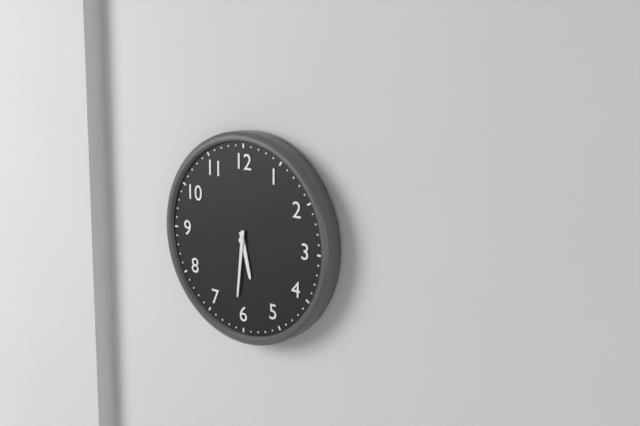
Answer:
5 h 31 min
